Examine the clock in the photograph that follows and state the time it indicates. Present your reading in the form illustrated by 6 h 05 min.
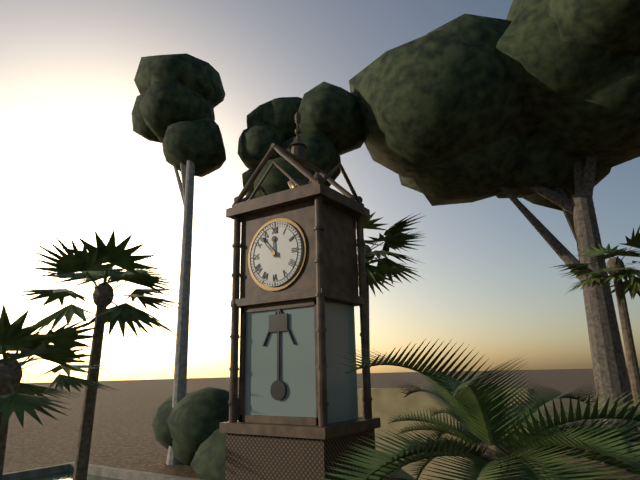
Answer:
11 h 53 min
